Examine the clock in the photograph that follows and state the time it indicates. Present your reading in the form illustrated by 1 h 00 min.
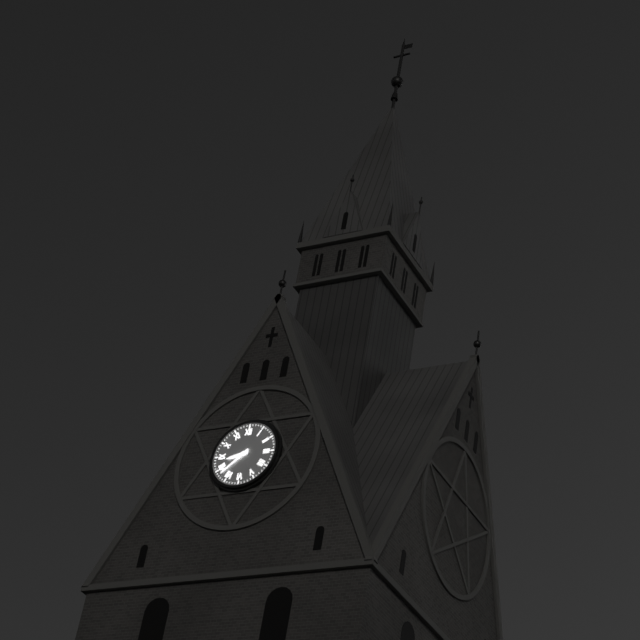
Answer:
8 h 38 min
